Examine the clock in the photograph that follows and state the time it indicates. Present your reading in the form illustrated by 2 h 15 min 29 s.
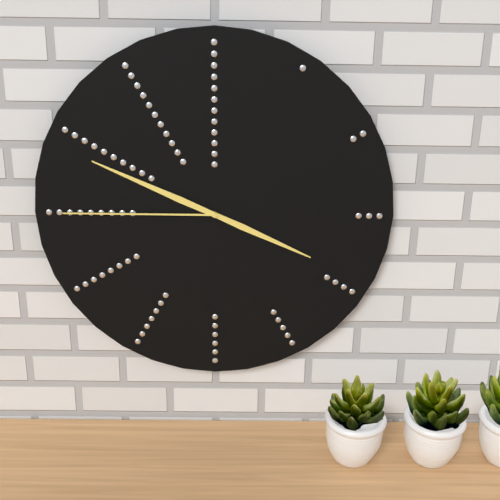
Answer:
3 h 49 min 45 s
